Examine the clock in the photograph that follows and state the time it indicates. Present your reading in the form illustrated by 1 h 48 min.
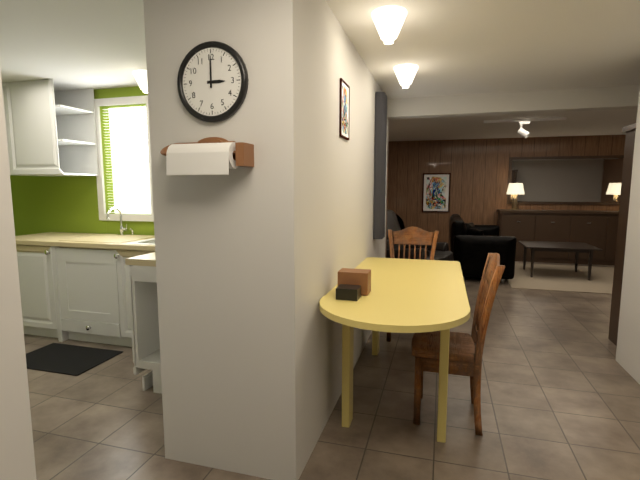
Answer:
3 h 00 min
